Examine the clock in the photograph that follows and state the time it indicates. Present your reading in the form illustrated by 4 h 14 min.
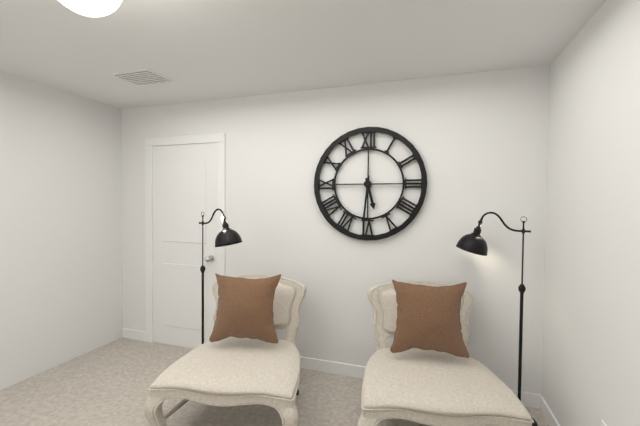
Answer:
5 h 31 min
